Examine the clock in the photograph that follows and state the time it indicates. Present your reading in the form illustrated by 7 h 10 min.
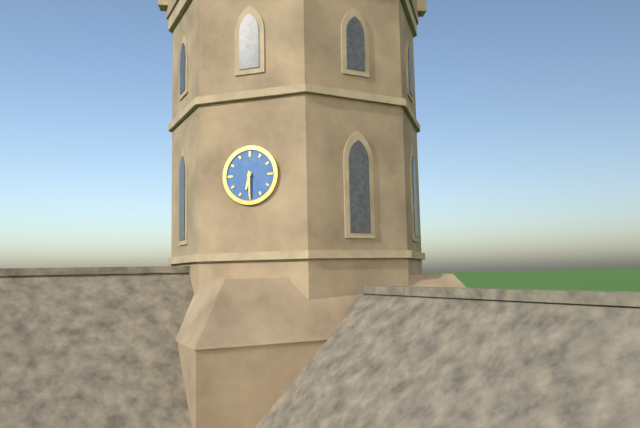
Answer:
6 h 30 min
